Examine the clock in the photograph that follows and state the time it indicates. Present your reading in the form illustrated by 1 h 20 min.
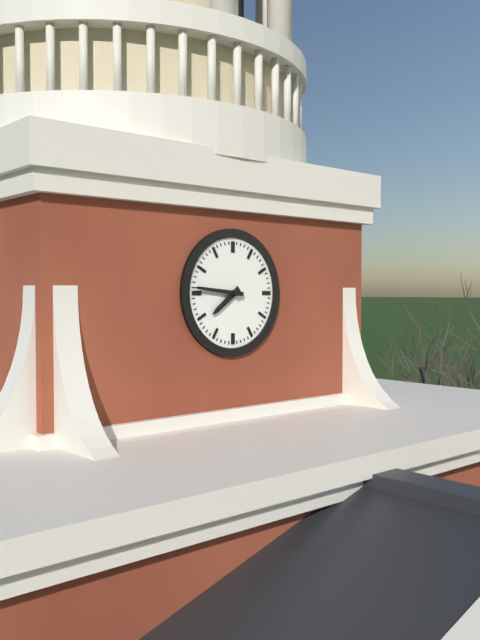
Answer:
7 h 46 min
